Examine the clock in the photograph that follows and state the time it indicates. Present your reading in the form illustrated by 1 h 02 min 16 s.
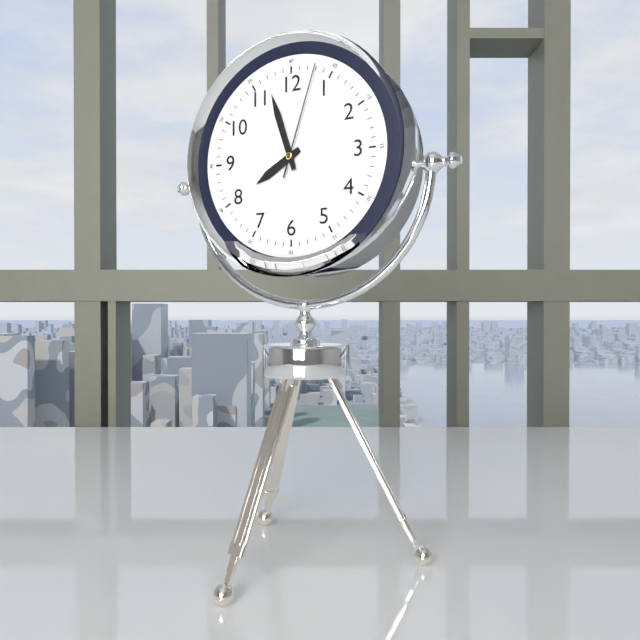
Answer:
7 h 57 min 03 s
